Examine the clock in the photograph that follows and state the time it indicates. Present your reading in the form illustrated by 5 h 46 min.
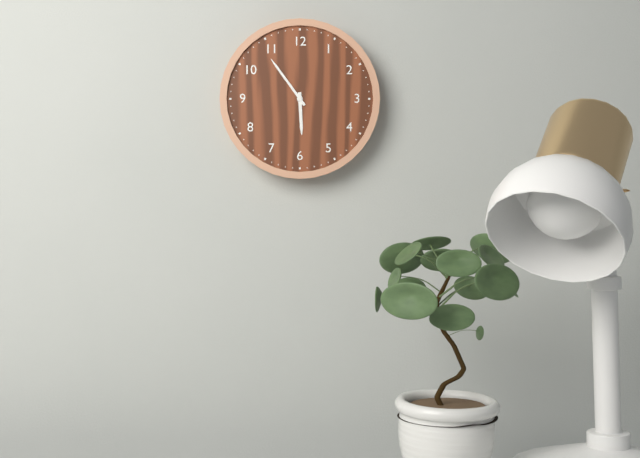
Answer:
5 h 54 min
